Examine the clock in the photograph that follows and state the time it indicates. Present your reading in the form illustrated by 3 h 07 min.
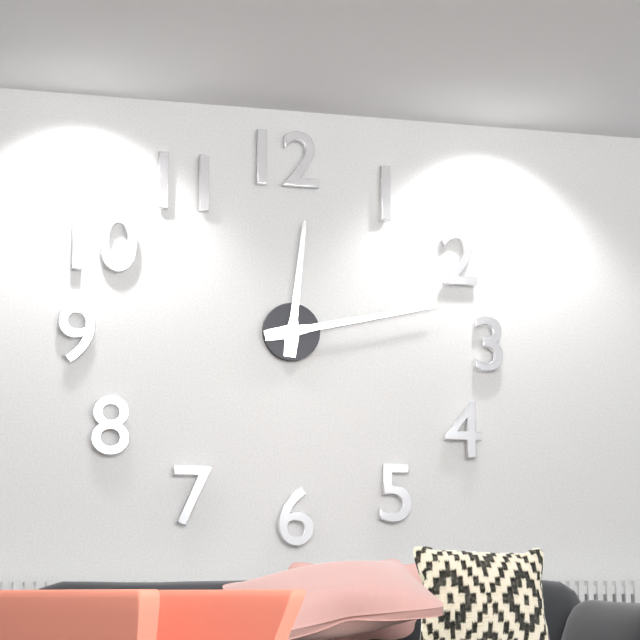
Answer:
12 h 13 min
